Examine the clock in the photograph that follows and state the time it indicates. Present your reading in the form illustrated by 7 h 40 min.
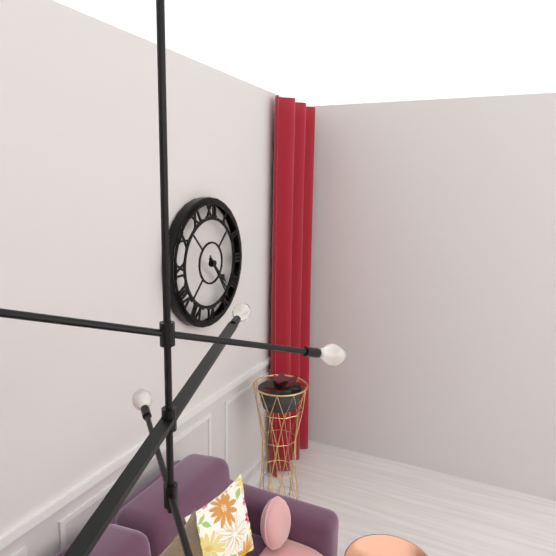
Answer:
4 h 24 min
